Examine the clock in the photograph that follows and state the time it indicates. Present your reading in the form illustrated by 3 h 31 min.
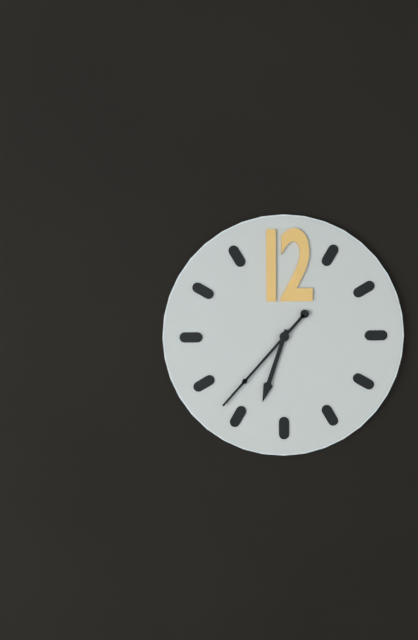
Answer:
6 h 37 min
